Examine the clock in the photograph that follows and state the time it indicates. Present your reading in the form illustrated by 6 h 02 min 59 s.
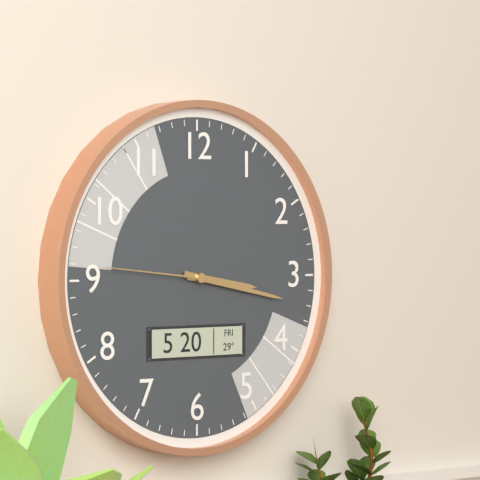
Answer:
3 h 17 min 46 s
